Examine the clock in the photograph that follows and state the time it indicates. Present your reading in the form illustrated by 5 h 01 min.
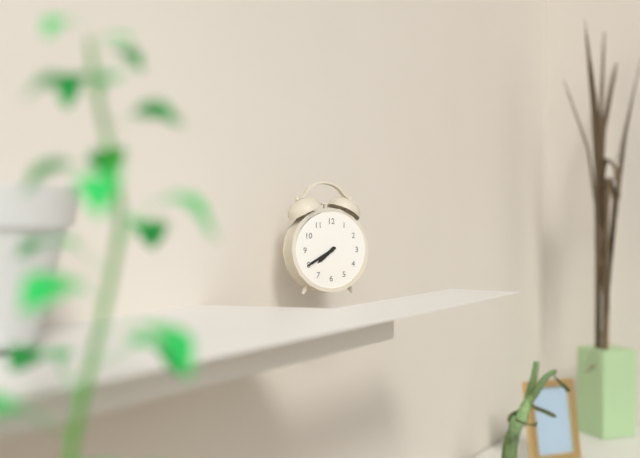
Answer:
7 h 40 min
